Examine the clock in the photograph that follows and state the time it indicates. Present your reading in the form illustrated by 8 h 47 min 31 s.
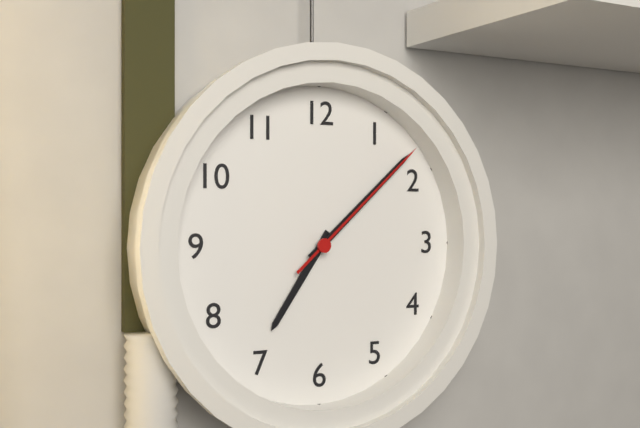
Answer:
7 h 08 min 08 s
